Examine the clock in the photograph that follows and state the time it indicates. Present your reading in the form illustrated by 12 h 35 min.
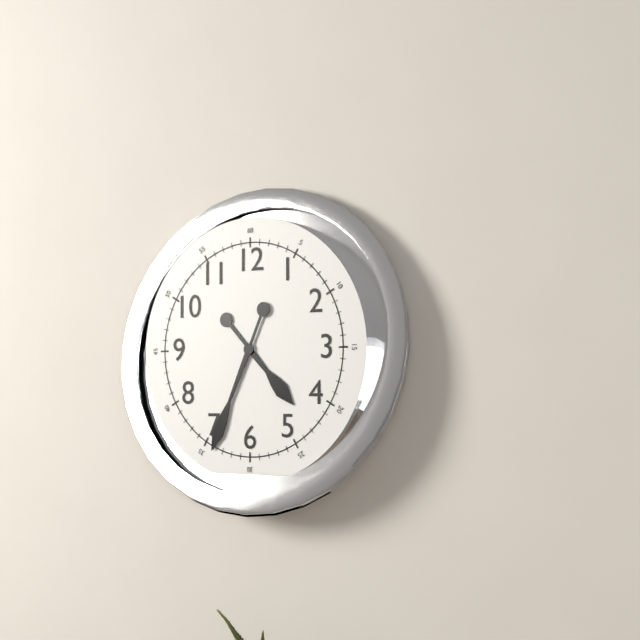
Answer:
4 h 34 min
